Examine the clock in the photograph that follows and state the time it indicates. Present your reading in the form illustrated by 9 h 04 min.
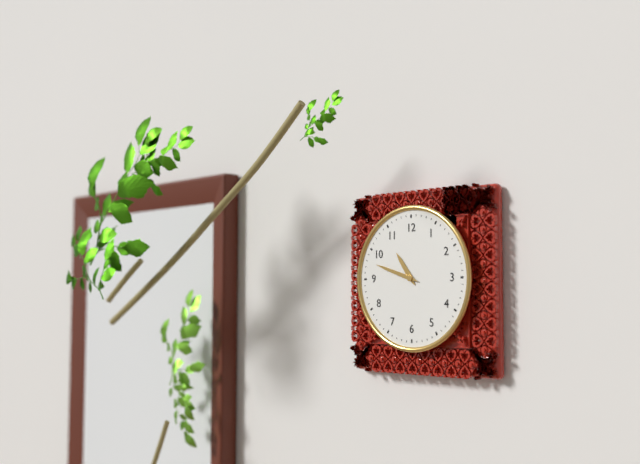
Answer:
10 h 48 min
